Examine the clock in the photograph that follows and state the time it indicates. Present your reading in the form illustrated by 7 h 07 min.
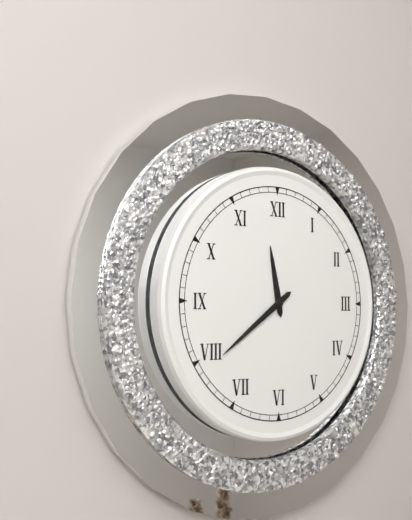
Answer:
11 h 39 min
